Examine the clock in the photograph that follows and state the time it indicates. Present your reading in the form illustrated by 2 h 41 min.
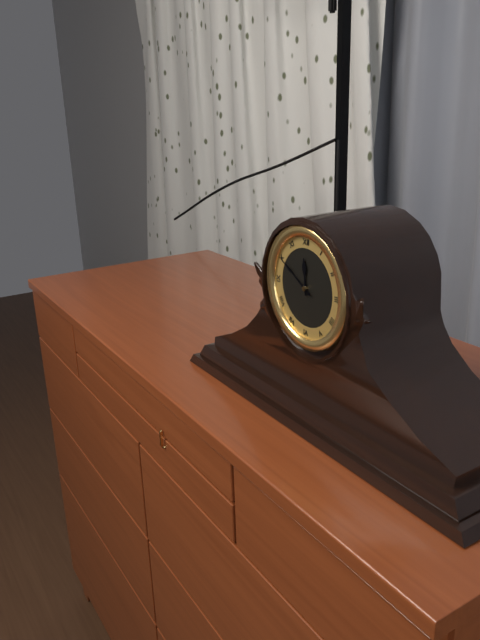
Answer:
11 h 50 min
